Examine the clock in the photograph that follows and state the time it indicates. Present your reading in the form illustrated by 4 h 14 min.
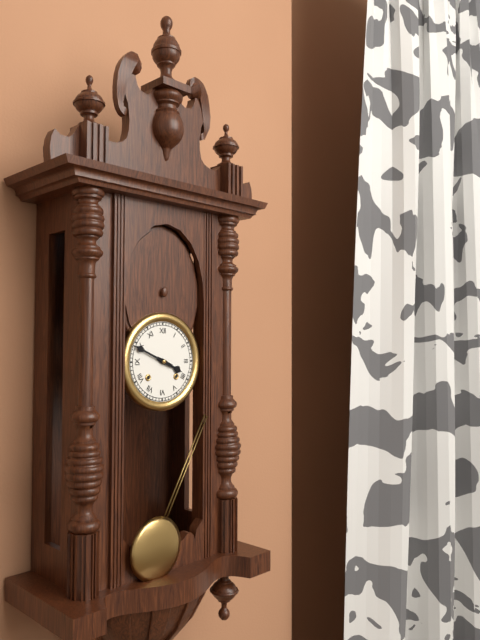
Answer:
3 h 49 min
